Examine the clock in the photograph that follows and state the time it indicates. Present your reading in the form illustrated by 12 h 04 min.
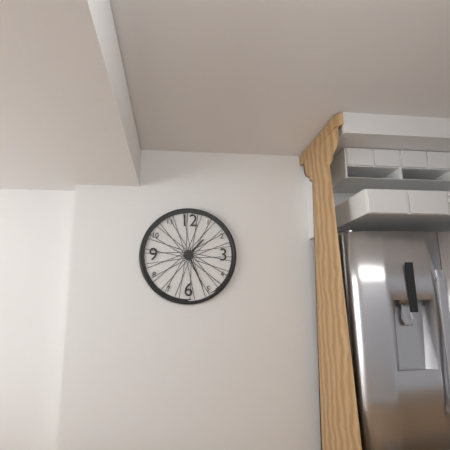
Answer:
1 h 26 min
